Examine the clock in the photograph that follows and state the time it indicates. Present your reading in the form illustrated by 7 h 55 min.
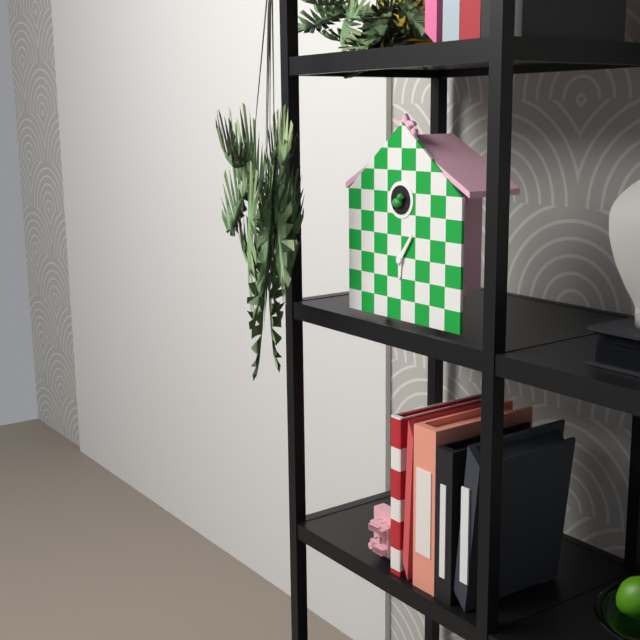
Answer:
6 h 06 min
